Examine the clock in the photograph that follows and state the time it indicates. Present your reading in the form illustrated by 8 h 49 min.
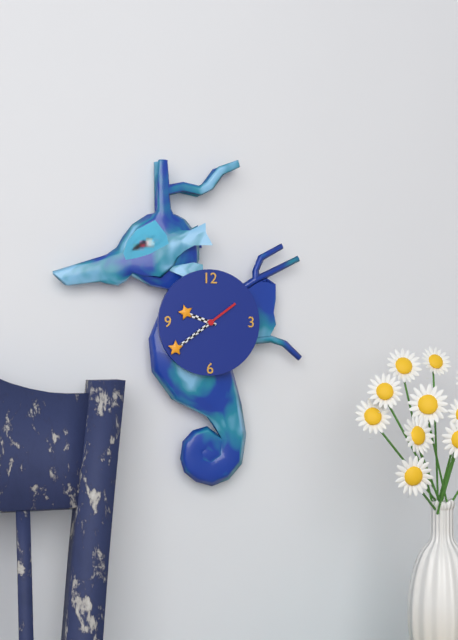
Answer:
9 h 39 min
